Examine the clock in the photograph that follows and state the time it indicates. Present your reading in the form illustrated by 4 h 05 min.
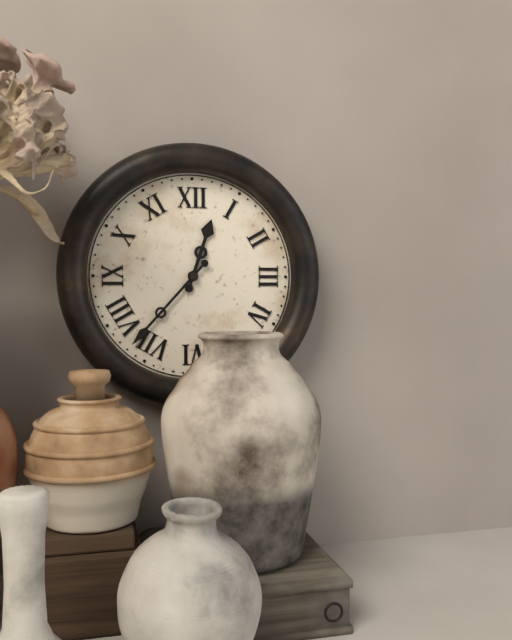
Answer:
12 h 37 min
